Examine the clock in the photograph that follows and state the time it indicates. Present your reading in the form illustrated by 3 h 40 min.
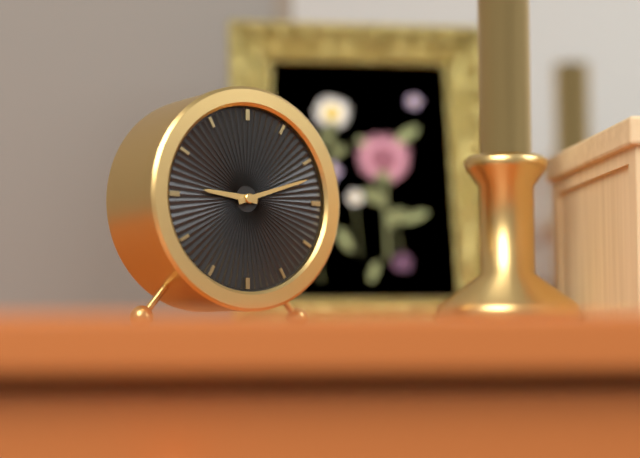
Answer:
9 h 12 min
